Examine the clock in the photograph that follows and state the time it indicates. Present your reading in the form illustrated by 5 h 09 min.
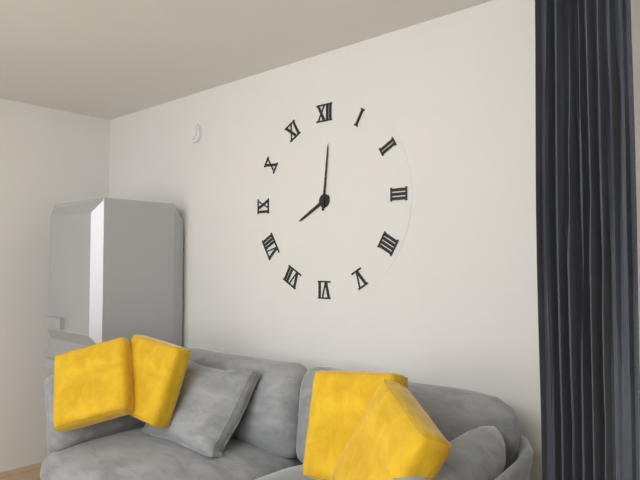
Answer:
8 h 01 min
